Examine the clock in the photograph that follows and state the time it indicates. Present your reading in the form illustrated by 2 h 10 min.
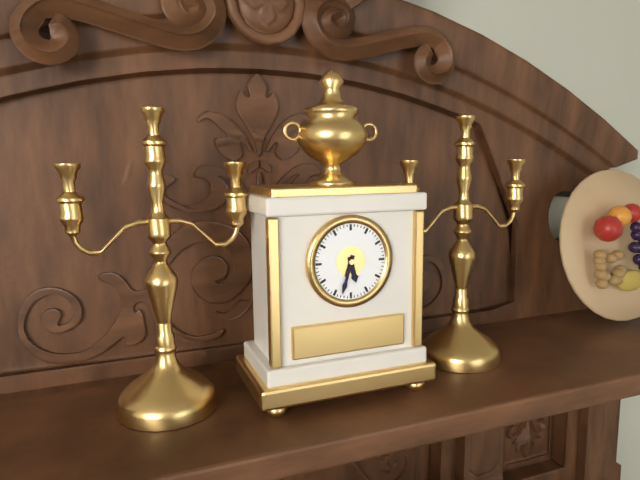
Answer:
5 h 33 min
